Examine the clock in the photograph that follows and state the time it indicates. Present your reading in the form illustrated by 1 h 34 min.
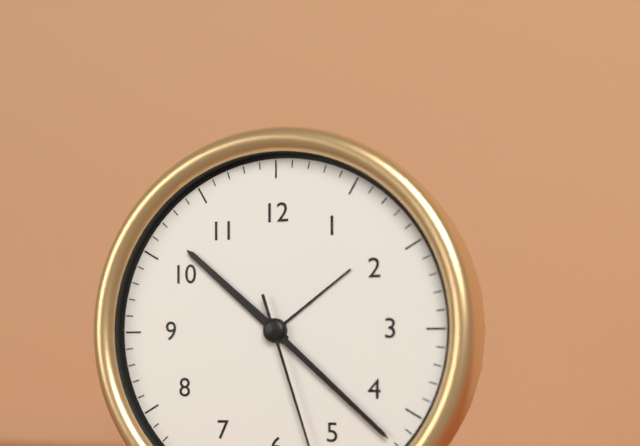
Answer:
10 h 22 min
